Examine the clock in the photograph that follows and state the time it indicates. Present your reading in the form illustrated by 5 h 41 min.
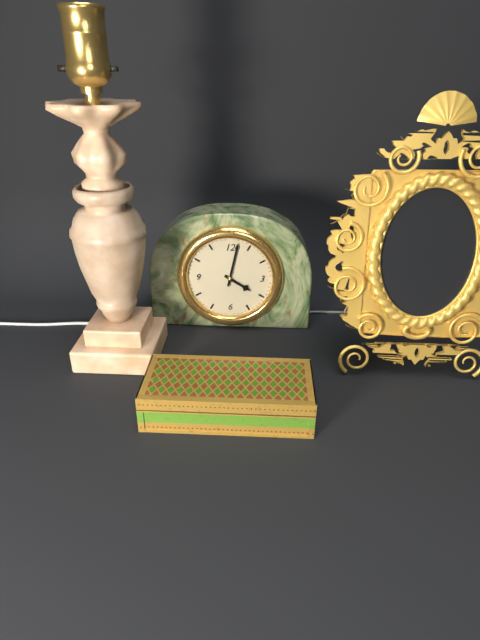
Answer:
4 h 02 min
